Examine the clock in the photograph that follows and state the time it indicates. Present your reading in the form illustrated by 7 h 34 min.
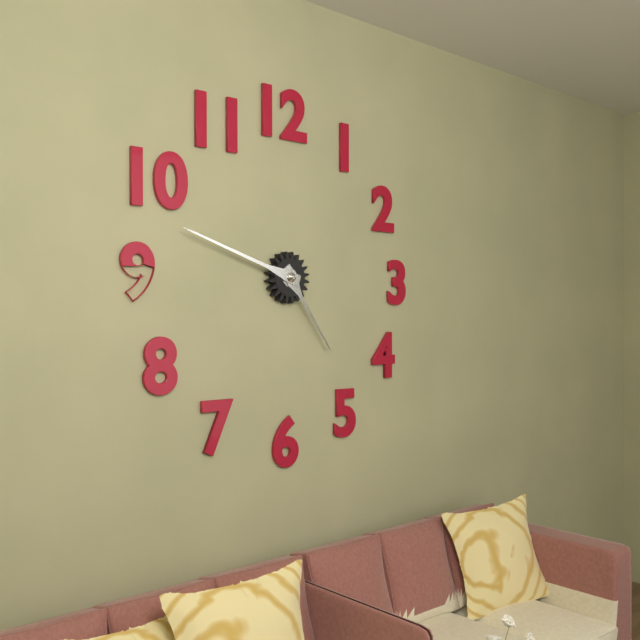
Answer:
4 h 48 min
